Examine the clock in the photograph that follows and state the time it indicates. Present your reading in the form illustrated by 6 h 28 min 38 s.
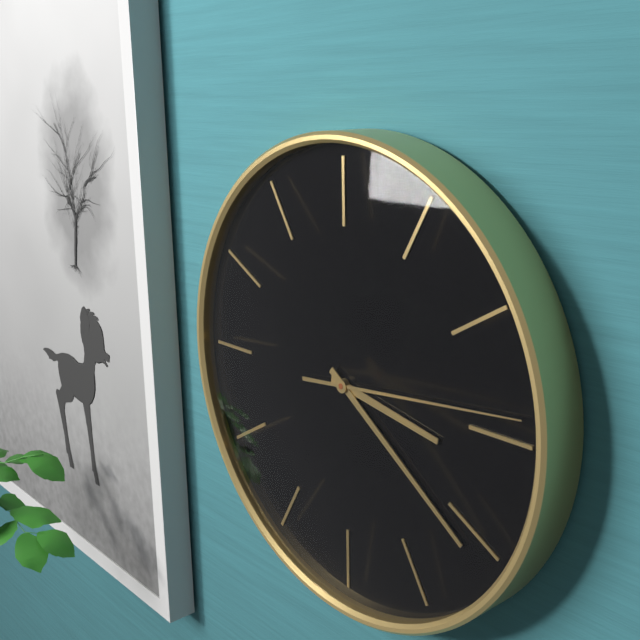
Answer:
3 h 21 min 14 s
